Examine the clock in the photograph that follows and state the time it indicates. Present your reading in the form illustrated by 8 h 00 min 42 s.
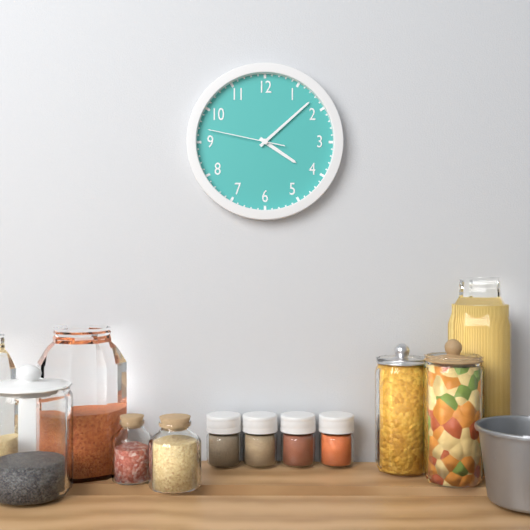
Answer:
4 h 08 min 47 s
